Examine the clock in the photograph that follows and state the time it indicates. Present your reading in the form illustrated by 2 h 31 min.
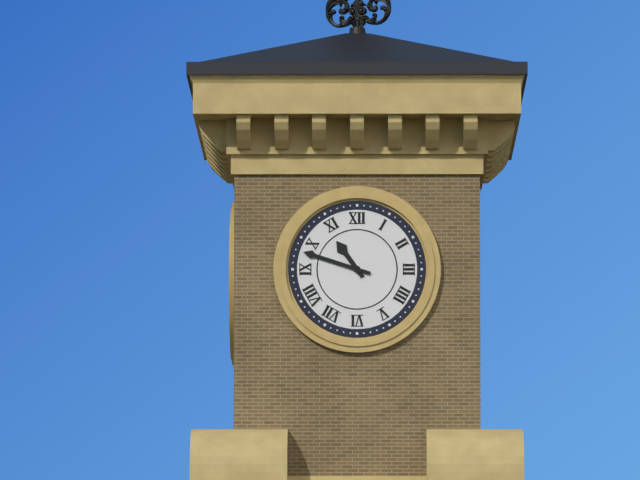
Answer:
10 h 48 min
